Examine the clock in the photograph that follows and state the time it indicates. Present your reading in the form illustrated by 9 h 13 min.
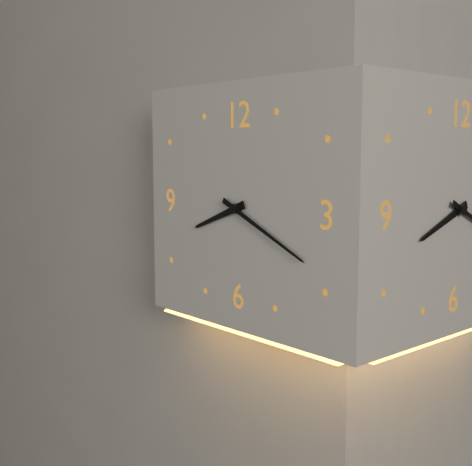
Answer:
8 h 19 min
